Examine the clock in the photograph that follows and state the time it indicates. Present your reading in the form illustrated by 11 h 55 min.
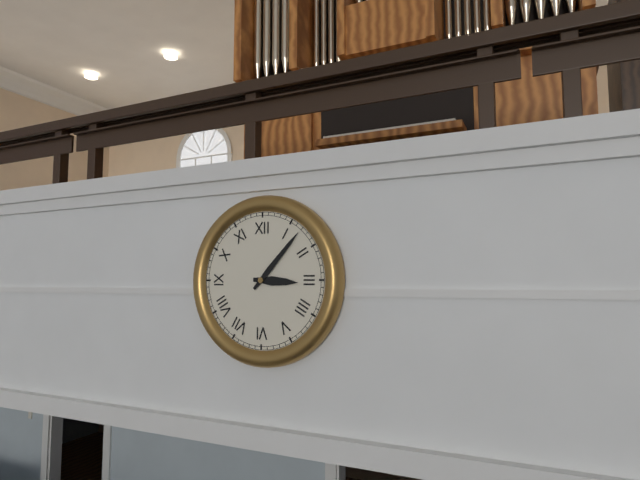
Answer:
3 h 07 min
